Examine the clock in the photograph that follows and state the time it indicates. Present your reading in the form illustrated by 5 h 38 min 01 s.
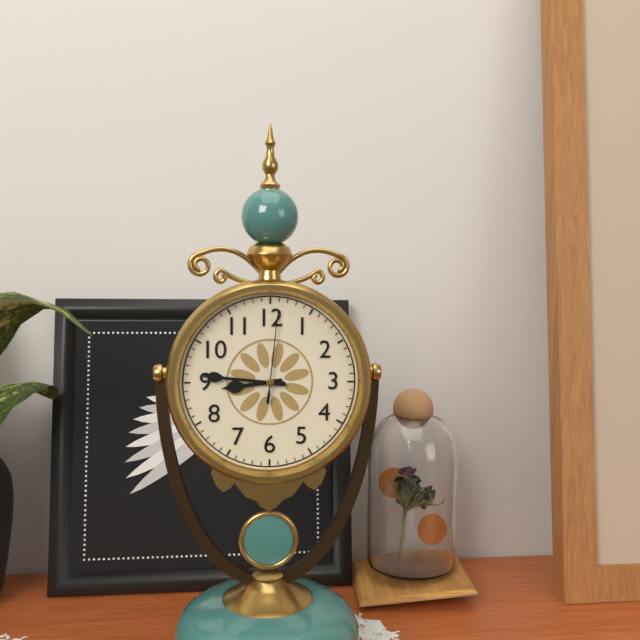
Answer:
8 h 46 min 01 s
